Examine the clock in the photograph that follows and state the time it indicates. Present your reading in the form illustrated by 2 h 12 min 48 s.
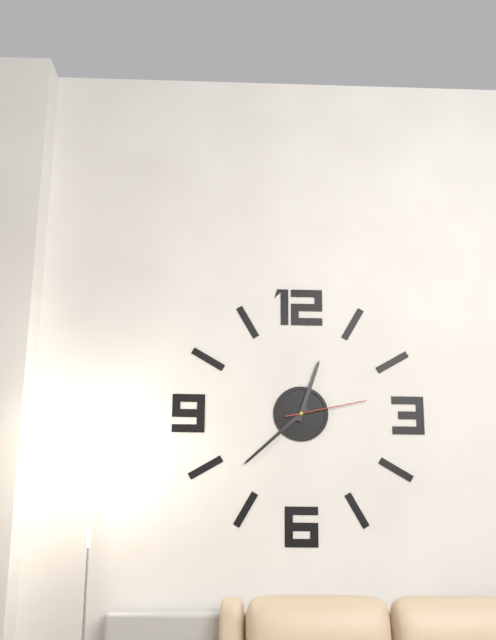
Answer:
12 h 38 min 13 s
